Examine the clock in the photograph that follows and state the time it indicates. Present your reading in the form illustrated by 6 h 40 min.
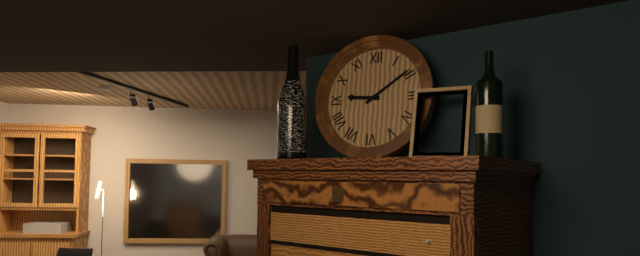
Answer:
9 h 09 min
